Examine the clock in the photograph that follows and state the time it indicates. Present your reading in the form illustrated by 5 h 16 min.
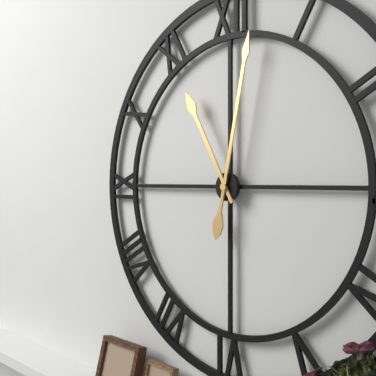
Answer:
11 h 02 min
